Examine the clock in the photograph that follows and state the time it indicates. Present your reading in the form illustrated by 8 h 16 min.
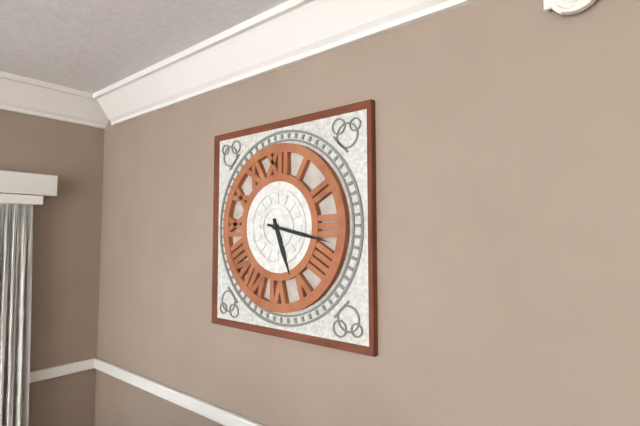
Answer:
5 h 17 min
